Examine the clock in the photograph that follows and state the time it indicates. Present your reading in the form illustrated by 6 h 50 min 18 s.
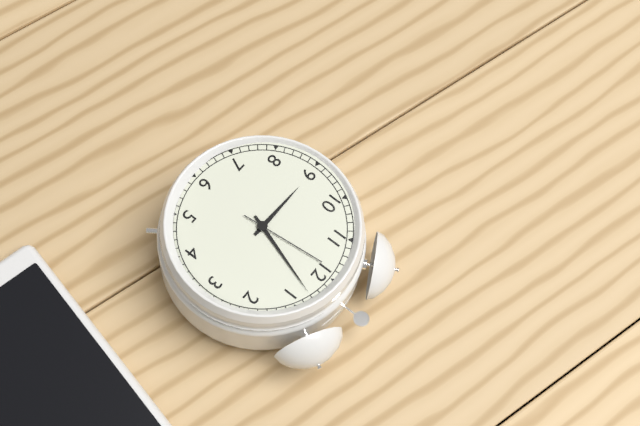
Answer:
9 h 03 min 59 s
